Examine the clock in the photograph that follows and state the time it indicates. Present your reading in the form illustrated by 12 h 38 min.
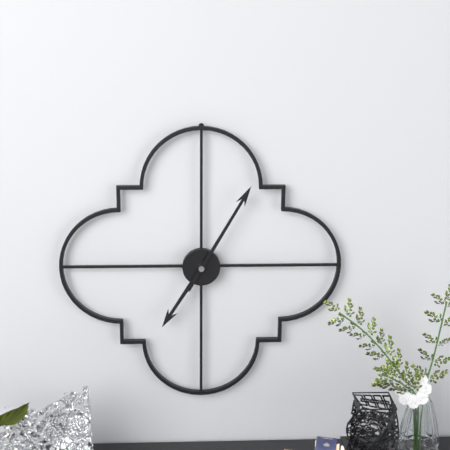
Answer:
7 h 05 min
